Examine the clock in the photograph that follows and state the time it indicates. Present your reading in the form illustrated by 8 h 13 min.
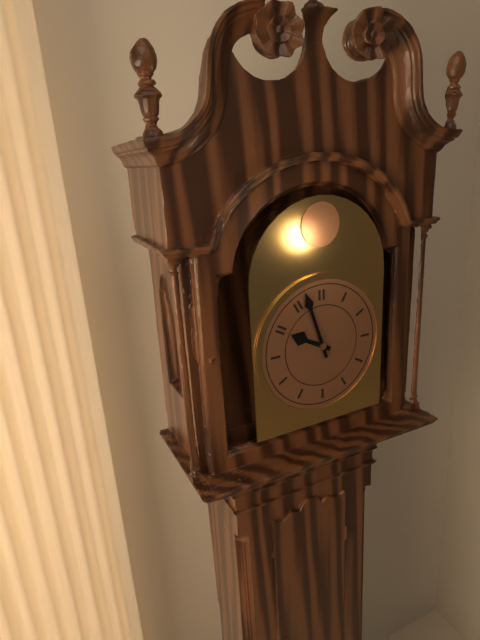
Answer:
9 h 57 min
